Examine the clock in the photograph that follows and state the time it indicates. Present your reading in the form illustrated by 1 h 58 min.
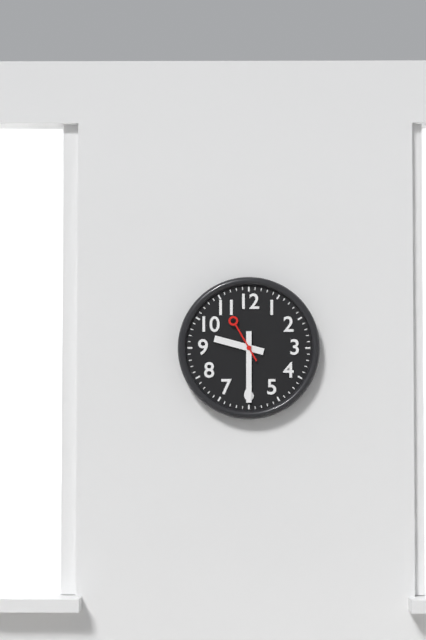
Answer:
9 h 30 min
